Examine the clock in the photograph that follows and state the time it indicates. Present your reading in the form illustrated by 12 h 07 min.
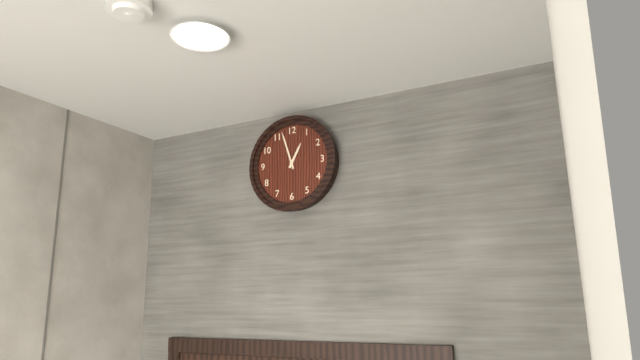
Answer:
12 h 57 min
